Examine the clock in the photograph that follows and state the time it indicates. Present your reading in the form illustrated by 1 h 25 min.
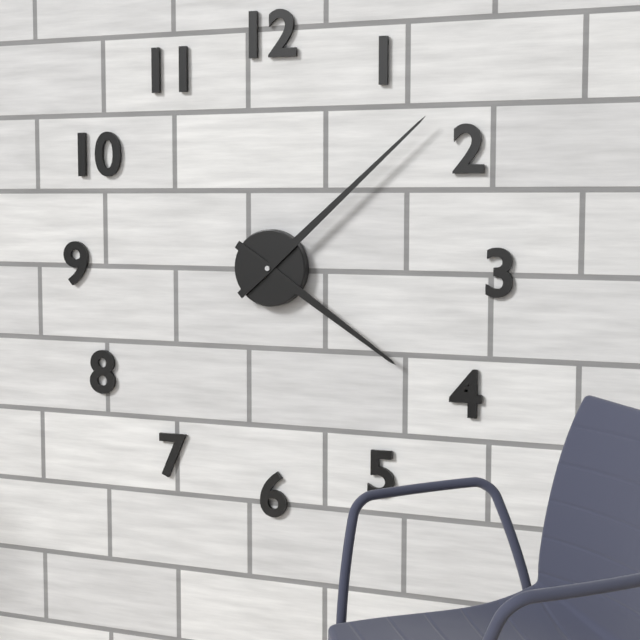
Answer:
4 h 08 min
